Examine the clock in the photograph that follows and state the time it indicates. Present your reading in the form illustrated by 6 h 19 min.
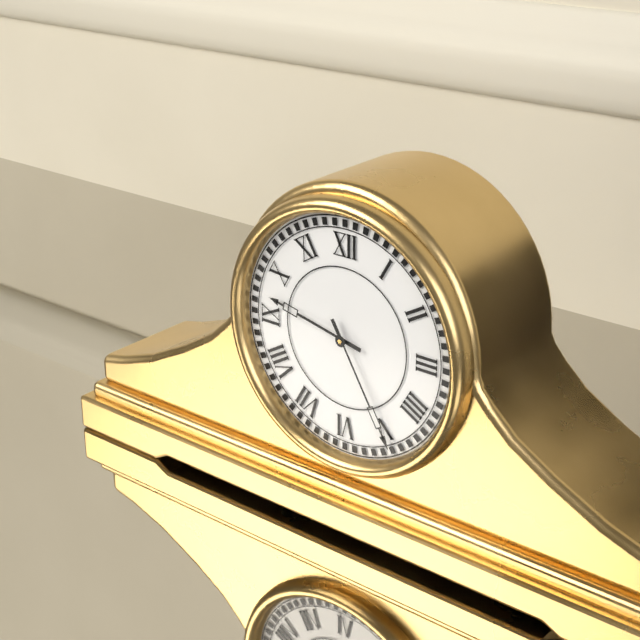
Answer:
9 h 25 min
